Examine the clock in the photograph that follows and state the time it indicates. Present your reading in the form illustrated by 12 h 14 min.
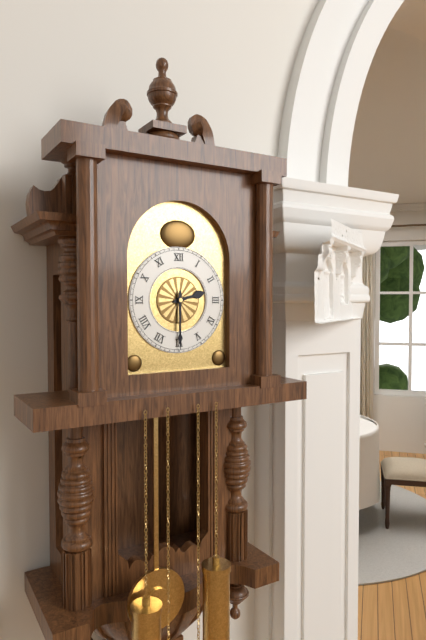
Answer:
2 h 30 min
